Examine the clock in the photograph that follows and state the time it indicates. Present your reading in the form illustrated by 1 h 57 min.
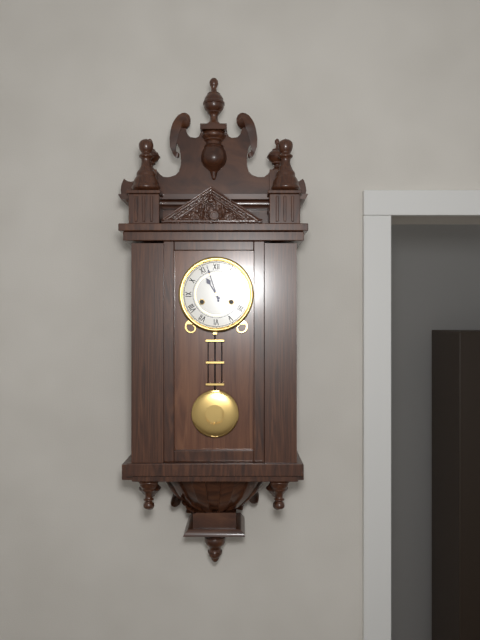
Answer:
10 h 57 min
